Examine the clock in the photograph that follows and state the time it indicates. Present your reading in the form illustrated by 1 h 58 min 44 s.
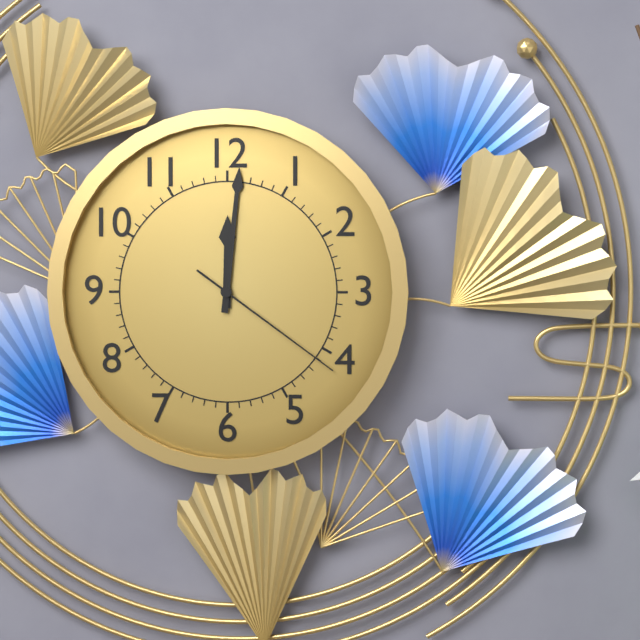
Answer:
12 h 01 min 21 s
